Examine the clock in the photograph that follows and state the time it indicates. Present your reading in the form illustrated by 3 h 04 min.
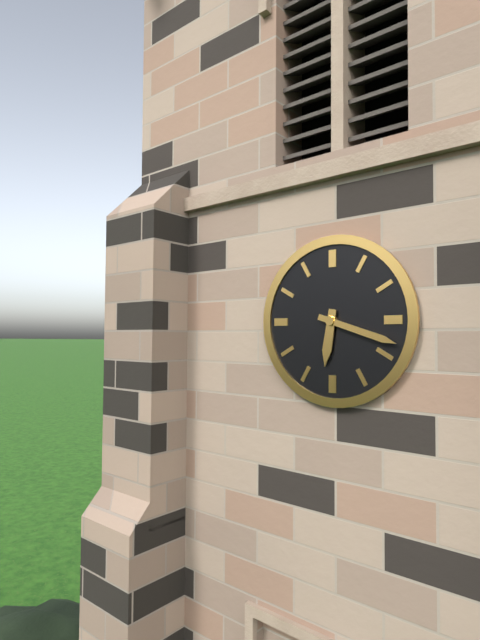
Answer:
6 h 18 min
